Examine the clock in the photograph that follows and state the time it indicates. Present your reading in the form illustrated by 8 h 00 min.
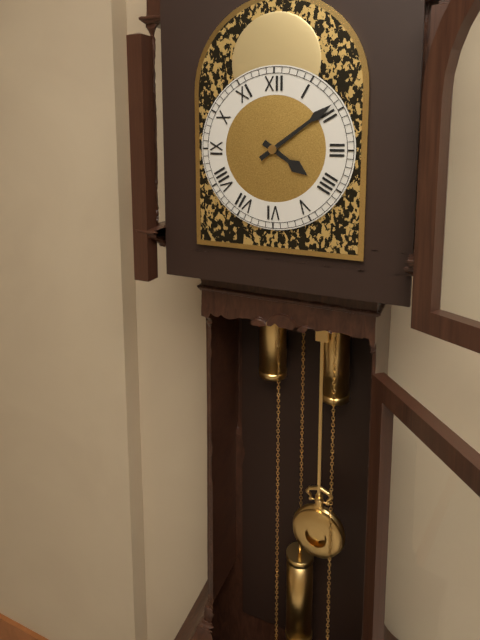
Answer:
4 h 09 min
